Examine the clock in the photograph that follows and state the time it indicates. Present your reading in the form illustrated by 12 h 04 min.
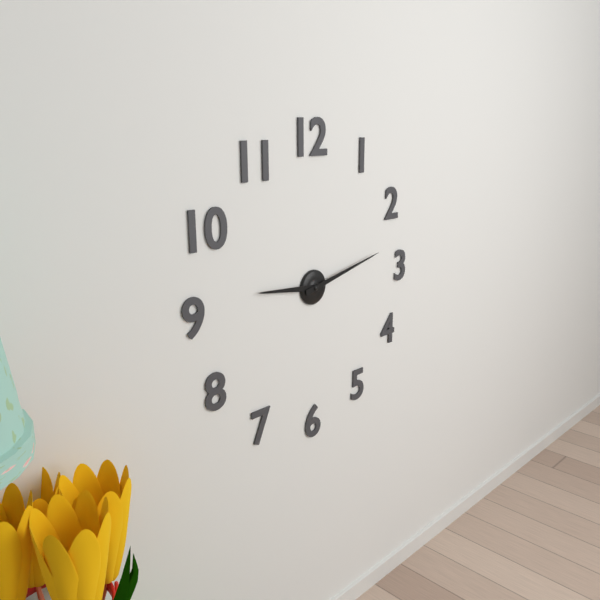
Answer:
9 h 13 min
